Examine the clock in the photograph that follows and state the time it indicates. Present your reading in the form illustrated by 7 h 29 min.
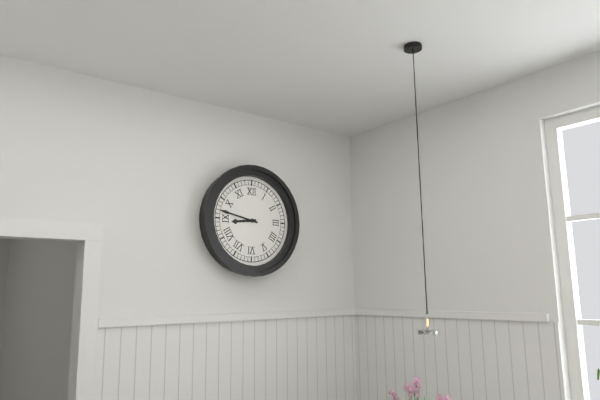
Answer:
8 h 47 min
